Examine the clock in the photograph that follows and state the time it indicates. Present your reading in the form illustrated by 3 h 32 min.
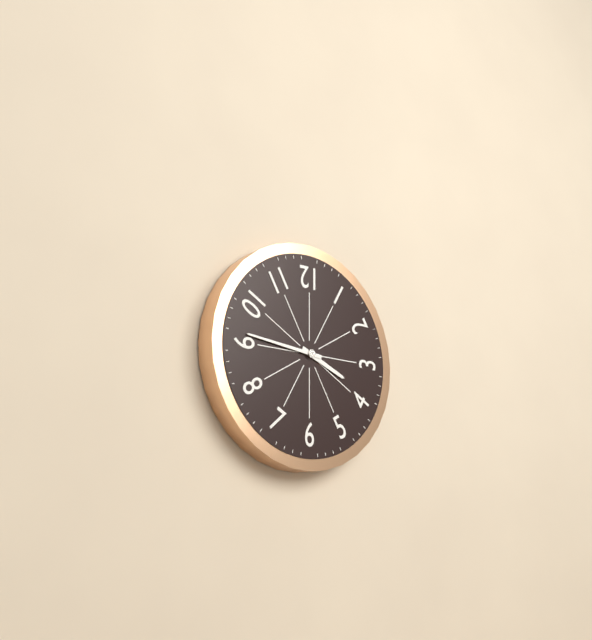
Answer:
3 h 46 min
